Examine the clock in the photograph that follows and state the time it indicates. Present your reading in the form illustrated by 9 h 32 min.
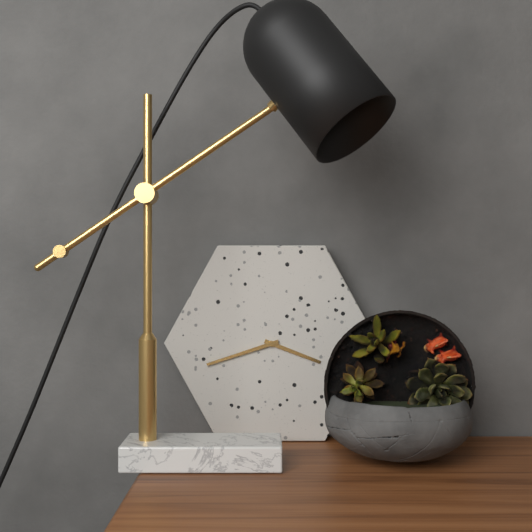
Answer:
3 h 42 min
